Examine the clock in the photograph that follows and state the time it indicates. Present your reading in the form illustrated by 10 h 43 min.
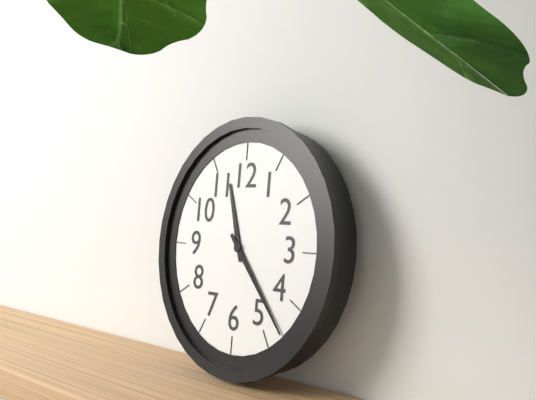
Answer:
11 h 23 min
